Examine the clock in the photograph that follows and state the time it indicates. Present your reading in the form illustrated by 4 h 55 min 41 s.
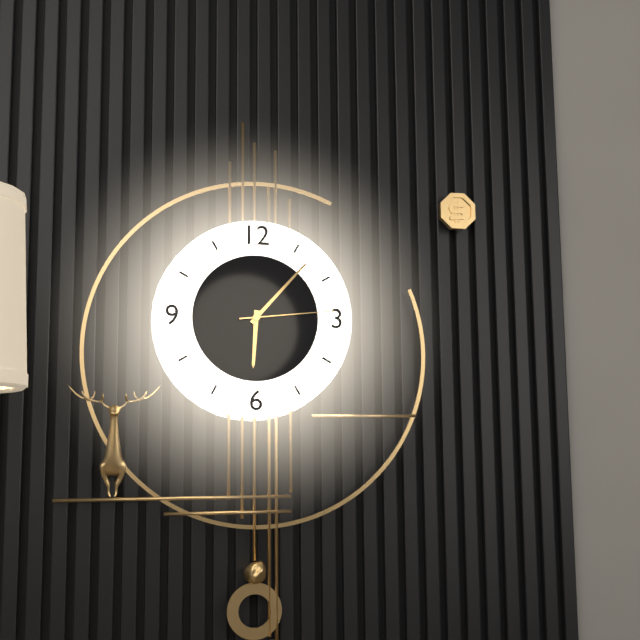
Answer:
6 h 07 min 14 s
